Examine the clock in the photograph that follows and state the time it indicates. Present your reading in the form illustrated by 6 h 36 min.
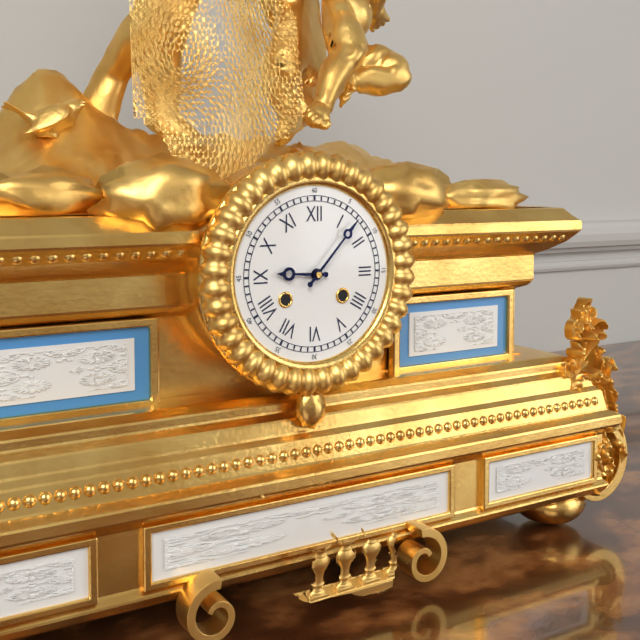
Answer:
9 h 07 min
